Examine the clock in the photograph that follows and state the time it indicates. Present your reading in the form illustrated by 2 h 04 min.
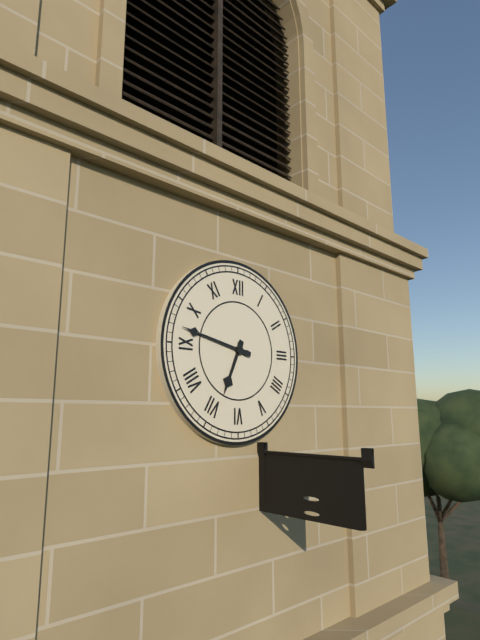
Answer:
6 h 47 min
